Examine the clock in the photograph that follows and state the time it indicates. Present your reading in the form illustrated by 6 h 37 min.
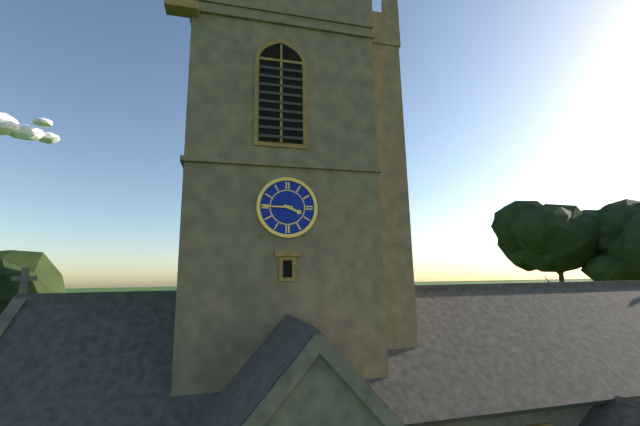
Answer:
3 h 45 min
